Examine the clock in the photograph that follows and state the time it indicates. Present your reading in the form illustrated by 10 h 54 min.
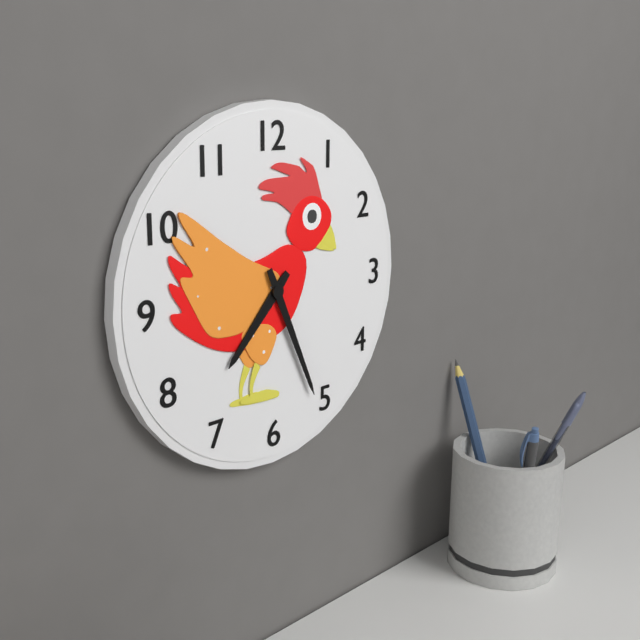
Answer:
7 h 26 min
